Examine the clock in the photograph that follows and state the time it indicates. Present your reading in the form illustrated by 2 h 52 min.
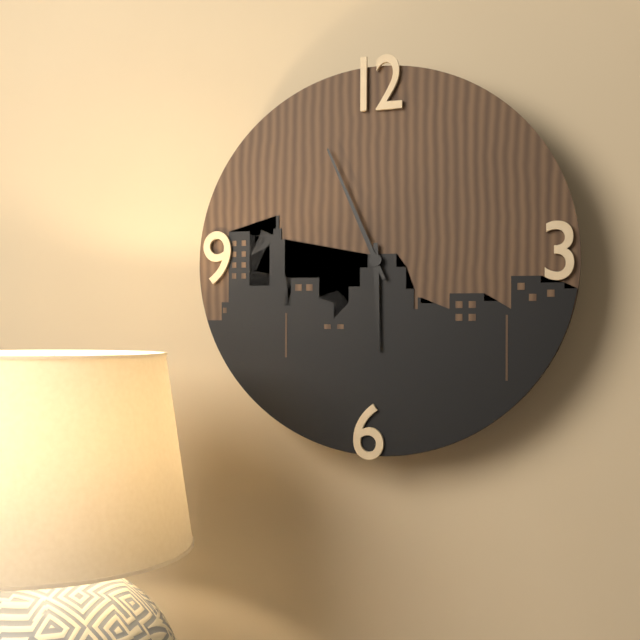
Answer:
5 h 56 min
